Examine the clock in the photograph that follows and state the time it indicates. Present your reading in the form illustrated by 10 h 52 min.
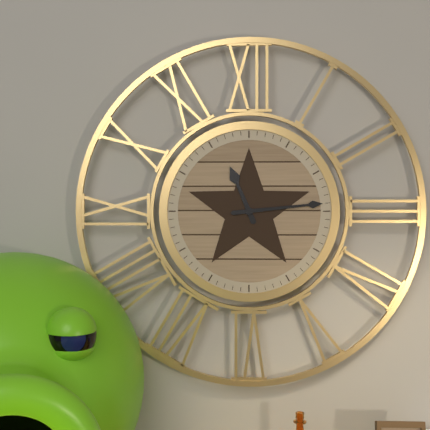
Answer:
11 h 14 min
